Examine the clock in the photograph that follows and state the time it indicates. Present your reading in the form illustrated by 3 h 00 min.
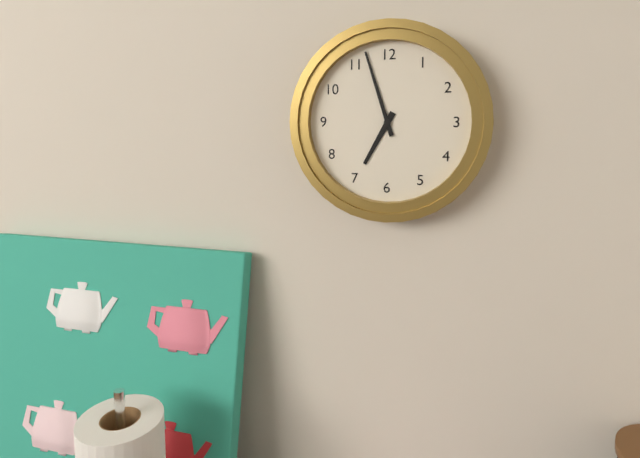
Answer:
6 h 57 min
